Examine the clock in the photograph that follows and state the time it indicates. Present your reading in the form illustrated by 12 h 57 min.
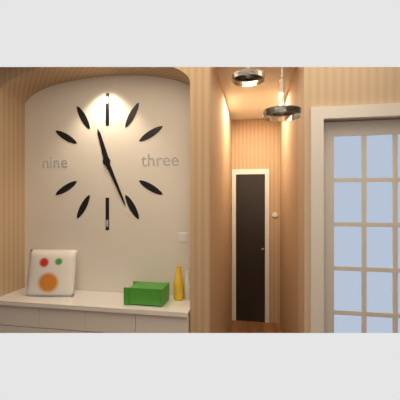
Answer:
11 h 26 min
